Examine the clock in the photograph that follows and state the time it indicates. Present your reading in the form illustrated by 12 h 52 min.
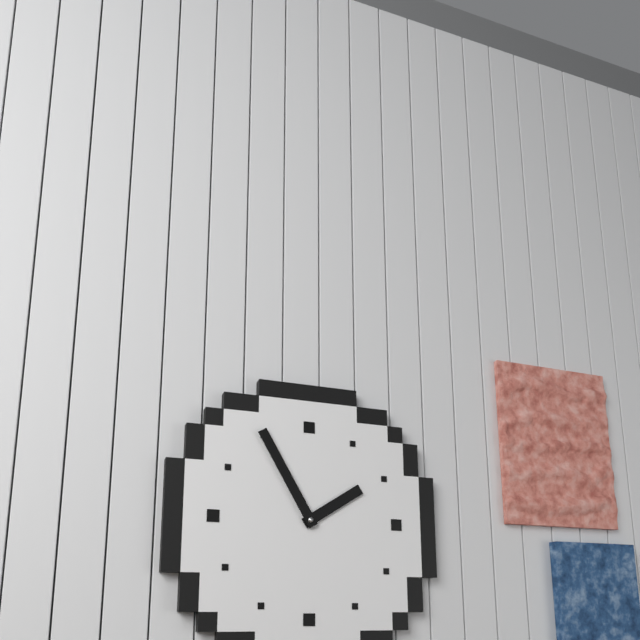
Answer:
1 h 55 min
